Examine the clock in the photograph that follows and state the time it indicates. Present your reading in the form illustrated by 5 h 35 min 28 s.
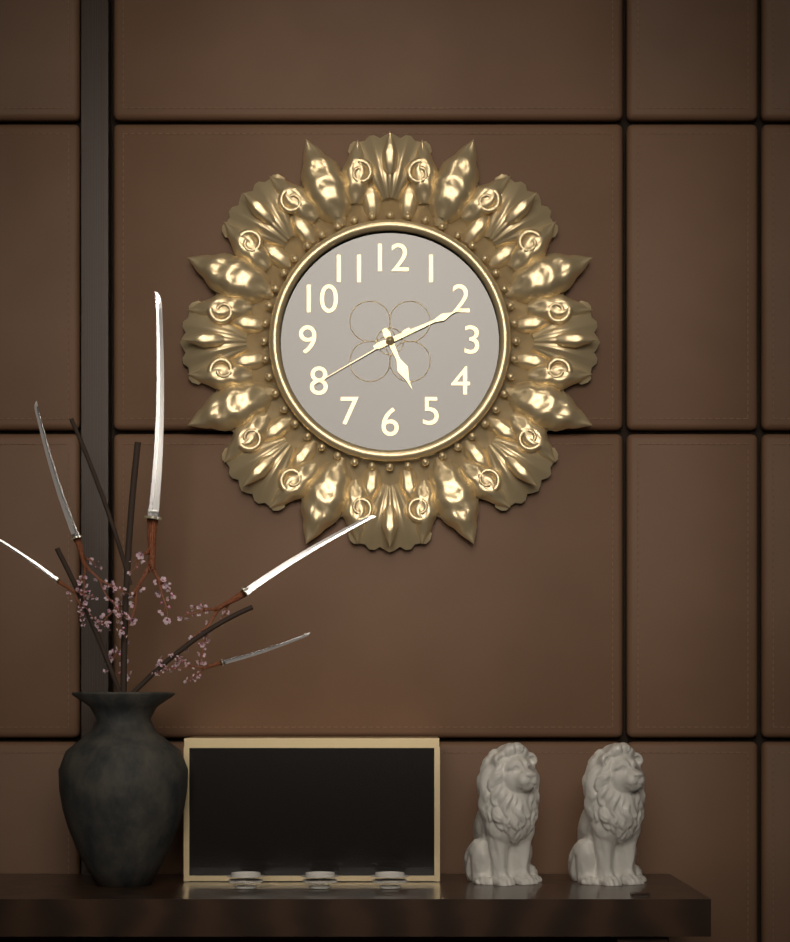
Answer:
5 h 11 min 40 s
